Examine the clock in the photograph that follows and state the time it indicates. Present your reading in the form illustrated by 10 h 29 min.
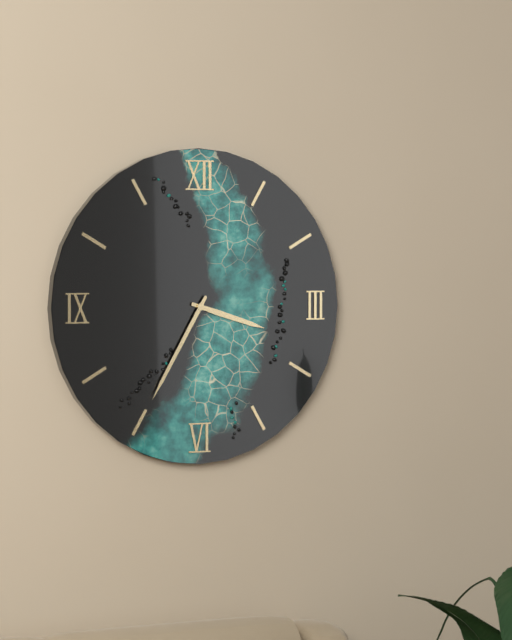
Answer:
3 h 35 min
